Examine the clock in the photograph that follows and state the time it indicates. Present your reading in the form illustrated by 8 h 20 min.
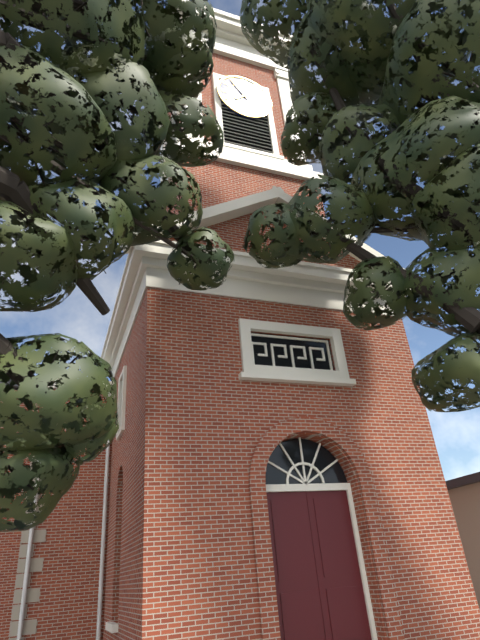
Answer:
7 h 54 min
